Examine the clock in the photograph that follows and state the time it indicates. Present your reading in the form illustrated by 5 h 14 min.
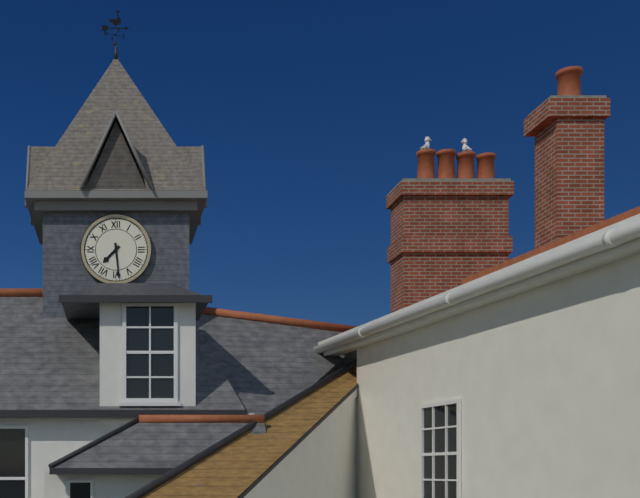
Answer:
7 h 29 min
